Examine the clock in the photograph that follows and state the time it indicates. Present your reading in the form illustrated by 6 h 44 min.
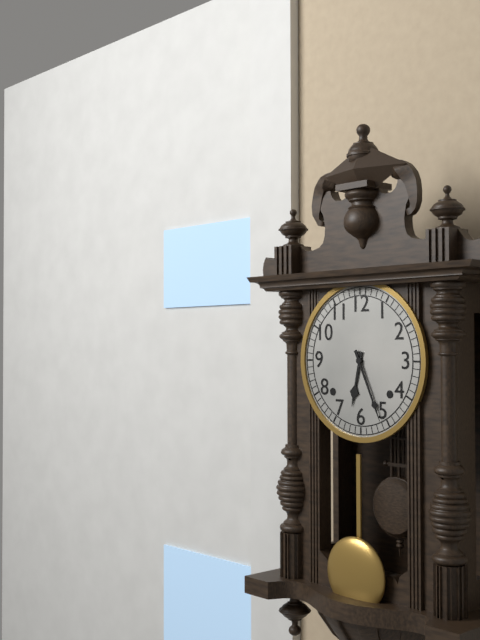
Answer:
6 h 26 min
